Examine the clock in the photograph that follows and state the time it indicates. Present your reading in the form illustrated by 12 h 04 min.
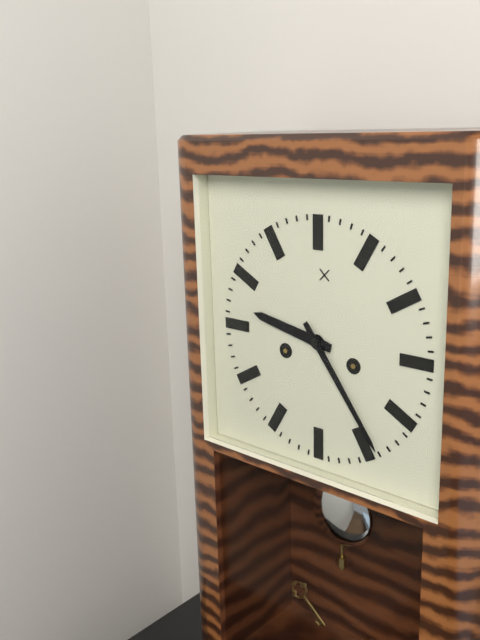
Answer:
9 h 24 min
